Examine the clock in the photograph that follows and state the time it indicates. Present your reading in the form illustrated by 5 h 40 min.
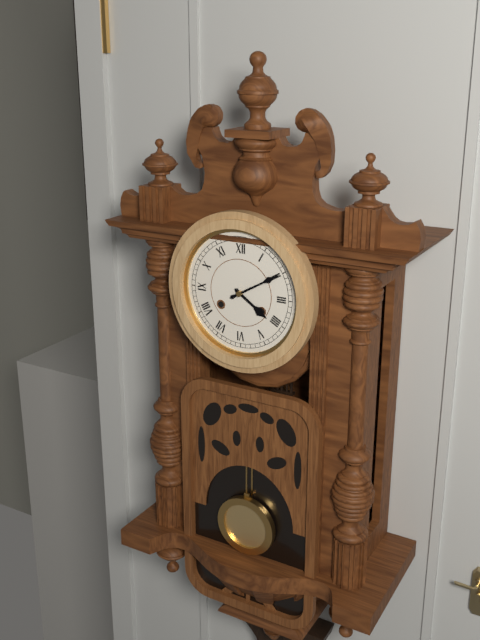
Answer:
4 h 10 min
